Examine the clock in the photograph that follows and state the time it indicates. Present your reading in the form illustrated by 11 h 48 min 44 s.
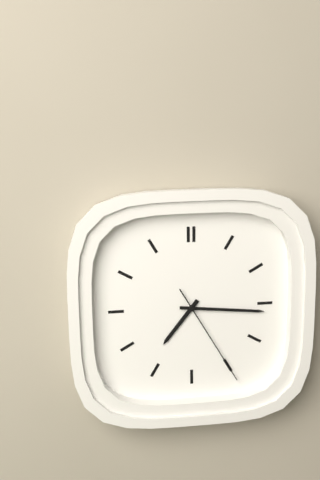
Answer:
7 h 16 min 25 s
